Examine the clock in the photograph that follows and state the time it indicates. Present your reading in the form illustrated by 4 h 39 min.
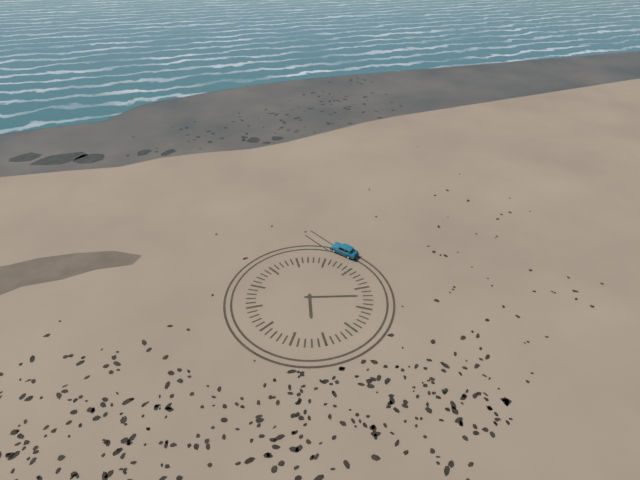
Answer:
7 h 22 min
